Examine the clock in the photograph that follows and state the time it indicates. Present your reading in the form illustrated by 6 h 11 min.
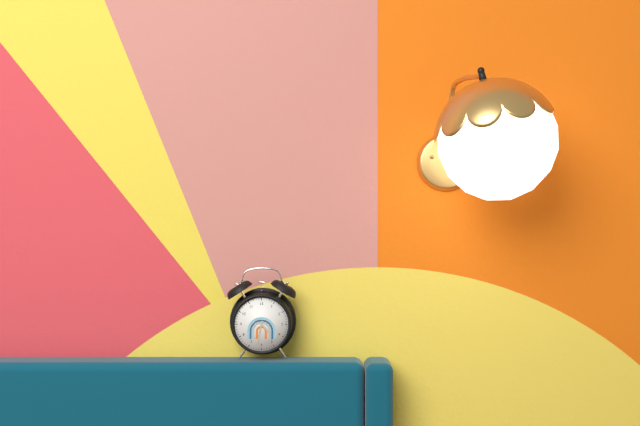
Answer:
4 h 32 min
